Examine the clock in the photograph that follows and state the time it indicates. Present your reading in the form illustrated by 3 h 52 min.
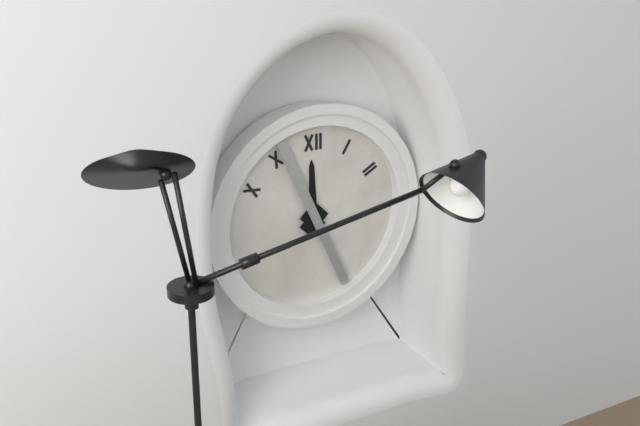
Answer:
11 h 56 min
